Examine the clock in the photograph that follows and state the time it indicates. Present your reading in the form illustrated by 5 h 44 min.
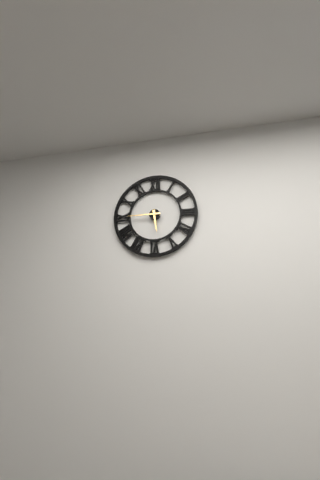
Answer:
5 h 45 min
